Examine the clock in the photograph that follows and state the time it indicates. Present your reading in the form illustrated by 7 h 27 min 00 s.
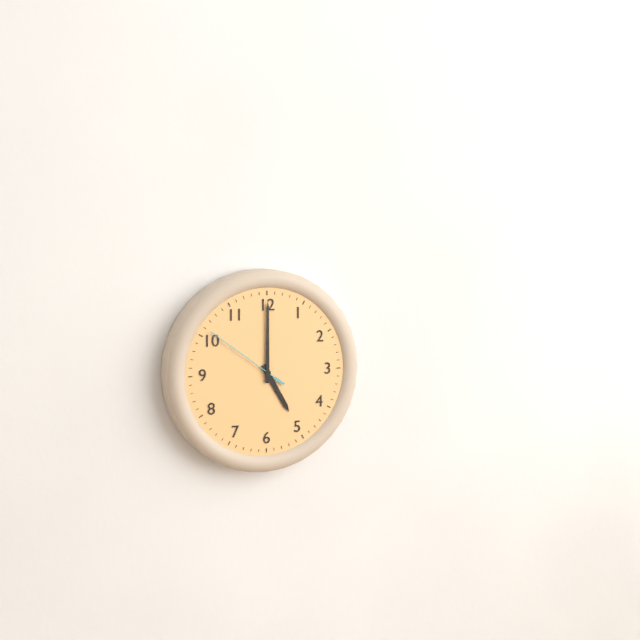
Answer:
5 h 00 min 51 s
